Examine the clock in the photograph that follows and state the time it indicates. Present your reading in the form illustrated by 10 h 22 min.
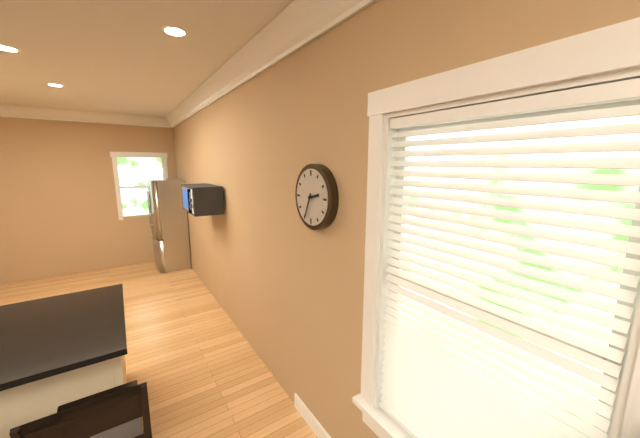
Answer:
2 h 34 min
